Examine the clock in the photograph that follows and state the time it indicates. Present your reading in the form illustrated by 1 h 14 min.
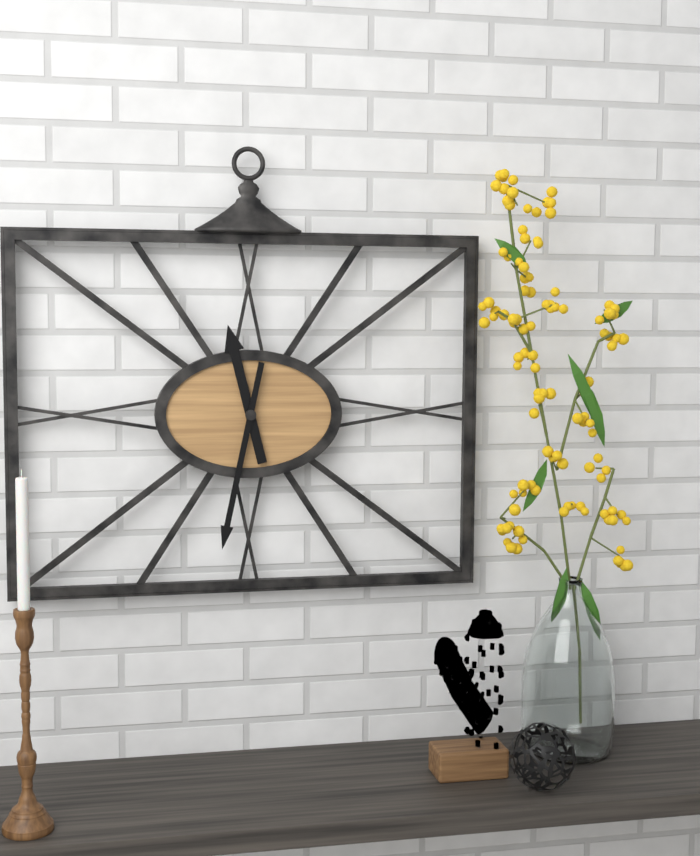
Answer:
11 h 32 min
